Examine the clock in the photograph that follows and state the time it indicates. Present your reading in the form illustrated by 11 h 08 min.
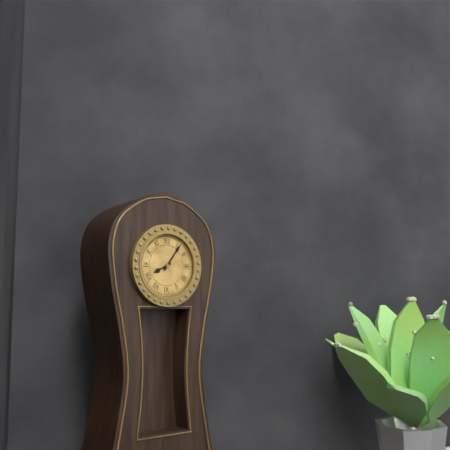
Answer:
8 h 06 min
